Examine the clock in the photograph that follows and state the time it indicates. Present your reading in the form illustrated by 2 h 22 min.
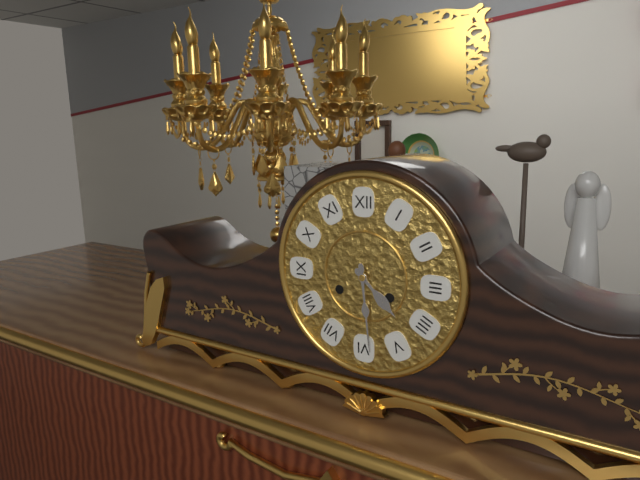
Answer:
4 h 29 min
